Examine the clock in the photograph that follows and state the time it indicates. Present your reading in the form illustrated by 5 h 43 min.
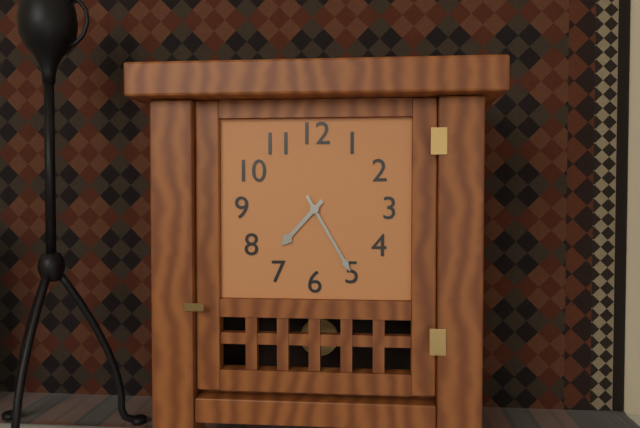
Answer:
7 h 25 min
